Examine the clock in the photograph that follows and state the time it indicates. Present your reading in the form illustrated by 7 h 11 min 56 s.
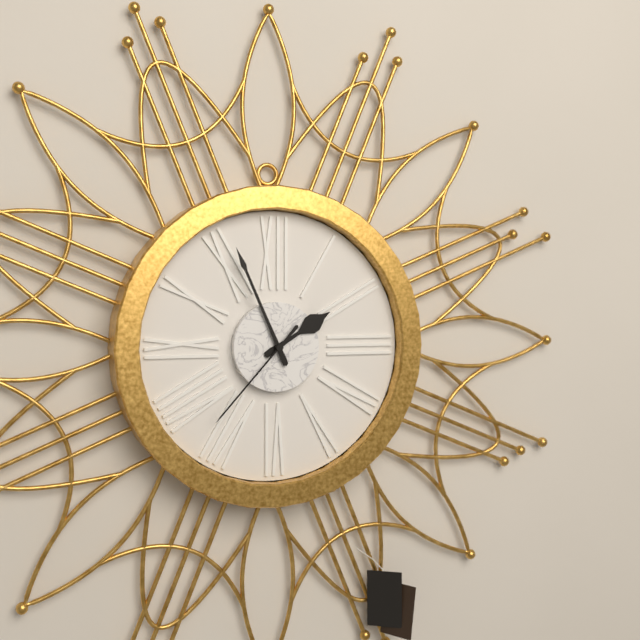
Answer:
1 h 56 min 37 s
